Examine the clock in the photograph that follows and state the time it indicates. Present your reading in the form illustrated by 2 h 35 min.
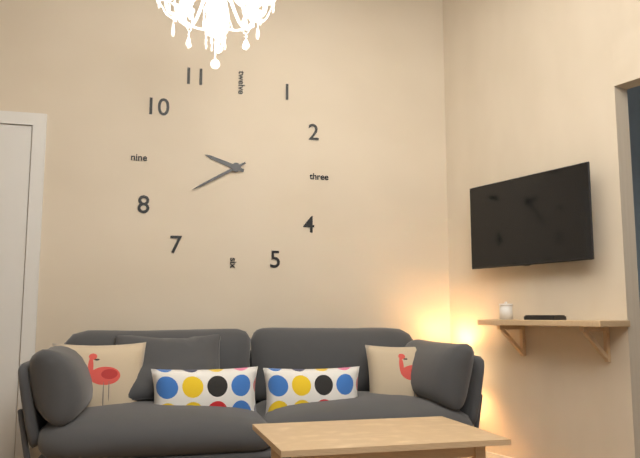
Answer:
9 h 40 min
